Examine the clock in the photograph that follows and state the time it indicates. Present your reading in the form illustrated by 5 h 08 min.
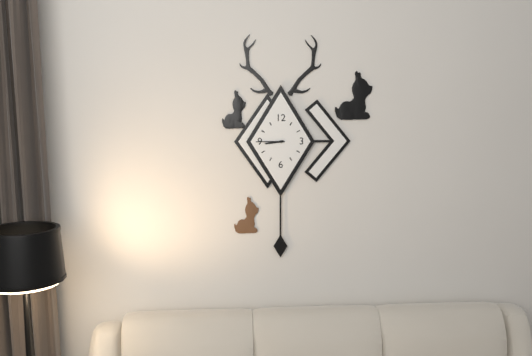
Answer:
8 h 45 min
